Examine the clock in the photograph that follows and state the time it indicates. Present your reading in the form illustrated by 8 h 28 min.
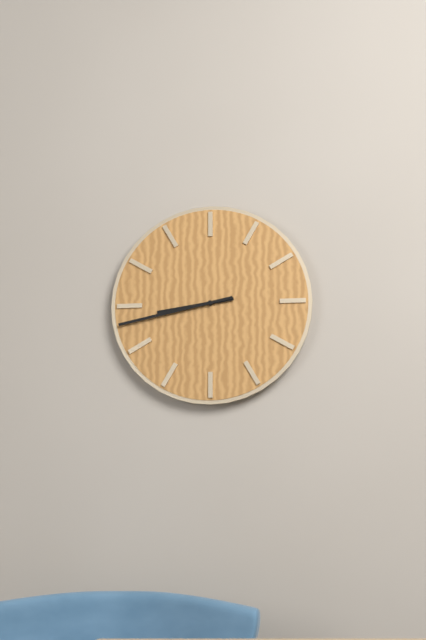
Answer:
8 h 43 min
